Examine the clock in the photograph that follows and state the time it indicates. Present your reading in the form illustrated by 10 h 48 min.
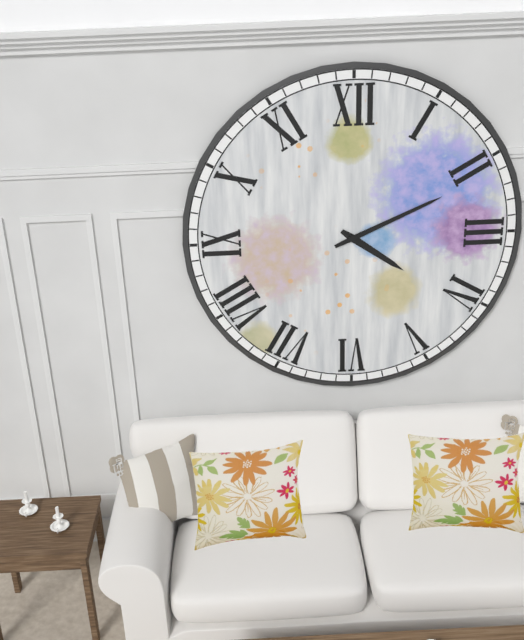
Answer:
4 h 11 min
